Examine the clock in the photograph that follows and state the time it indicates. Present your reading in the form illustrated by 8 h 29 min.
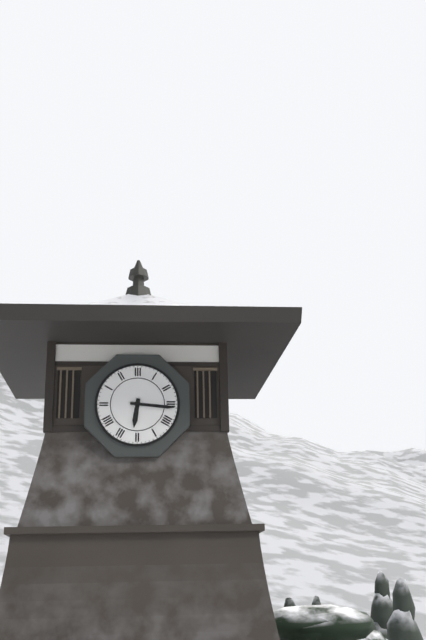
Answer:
6 h 16 min
